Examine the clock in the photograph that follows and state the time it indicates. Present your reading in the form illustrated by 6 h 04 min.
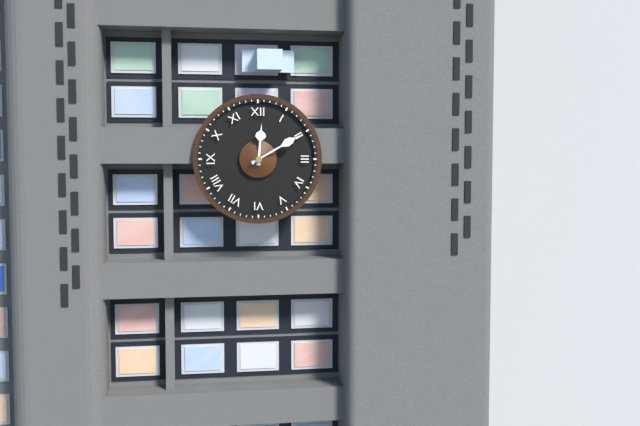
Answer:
12 h 10 min
